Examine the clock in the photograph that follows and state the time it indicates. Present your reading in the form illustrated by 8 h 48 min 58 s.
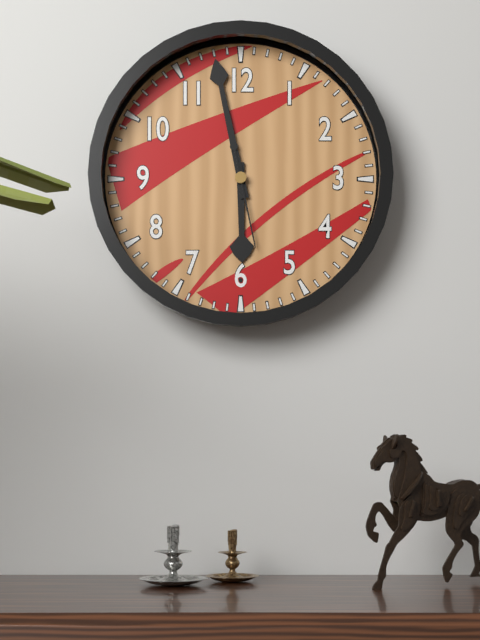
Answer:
5 h 58 min 28 s
